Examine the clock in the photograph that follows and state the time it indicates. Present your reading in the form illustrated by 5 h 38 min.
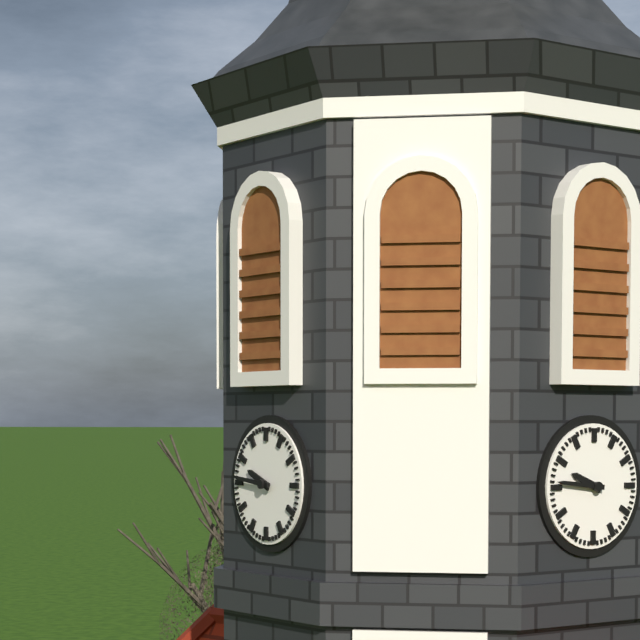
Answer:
9 h 46 min
